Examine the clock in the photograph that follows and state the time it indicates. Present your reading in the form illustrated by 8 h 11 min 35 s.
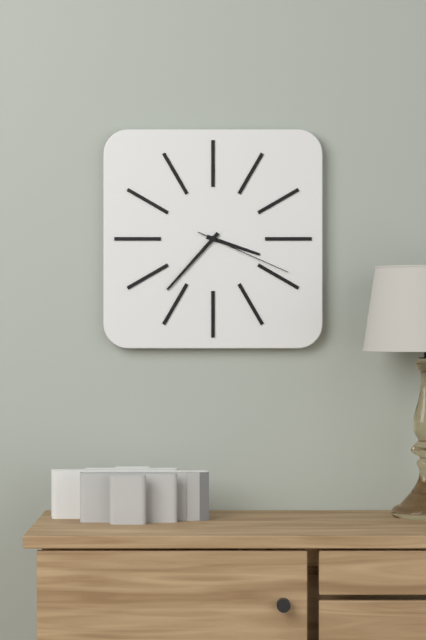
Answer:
3 h 37 min 19 s
